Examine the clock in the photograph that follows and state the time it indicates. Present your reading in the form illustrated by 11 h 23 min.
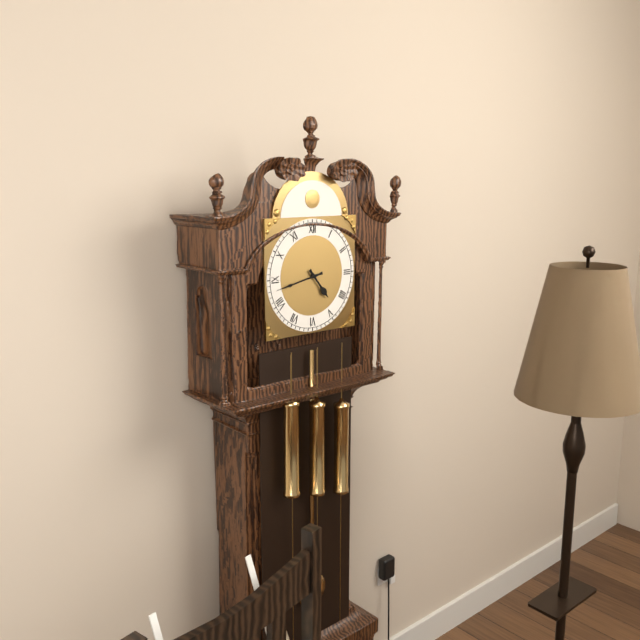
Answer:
4 h 43 min
